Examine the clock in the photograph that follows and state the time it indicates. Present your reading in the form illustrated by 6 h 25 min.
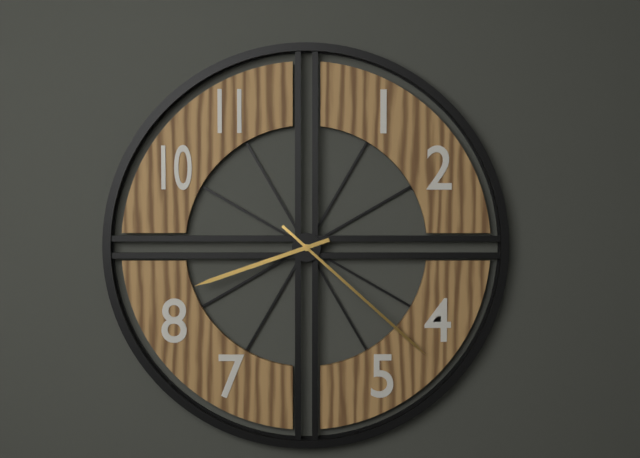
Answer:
8 h 22 min
